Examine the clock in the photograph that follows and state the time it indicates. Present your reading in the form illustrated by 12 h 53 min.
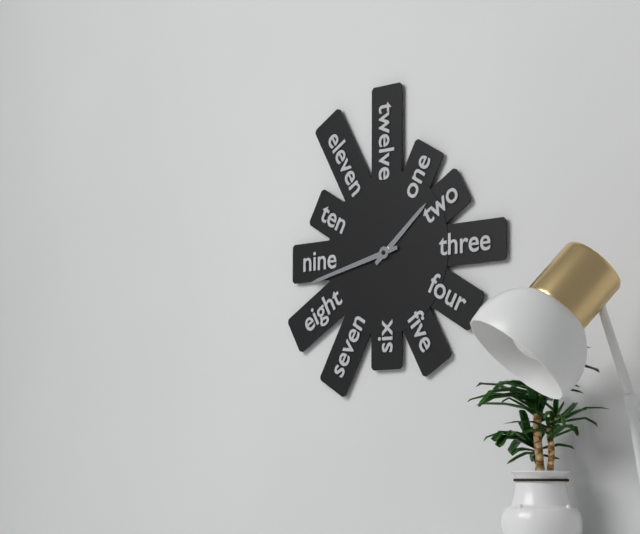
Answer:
1 h 43 min
